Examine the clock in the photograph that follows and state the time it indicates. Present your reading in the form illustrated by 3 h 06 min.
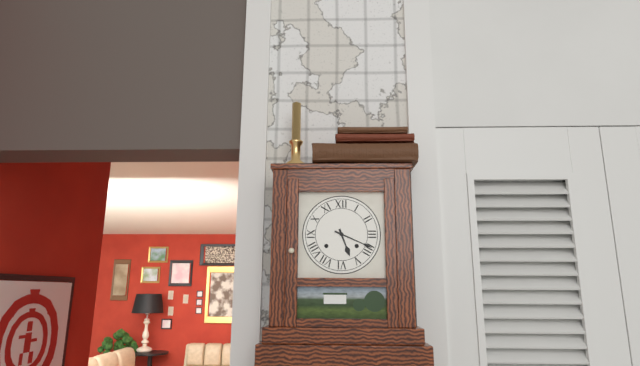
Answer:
5 h 19 min
